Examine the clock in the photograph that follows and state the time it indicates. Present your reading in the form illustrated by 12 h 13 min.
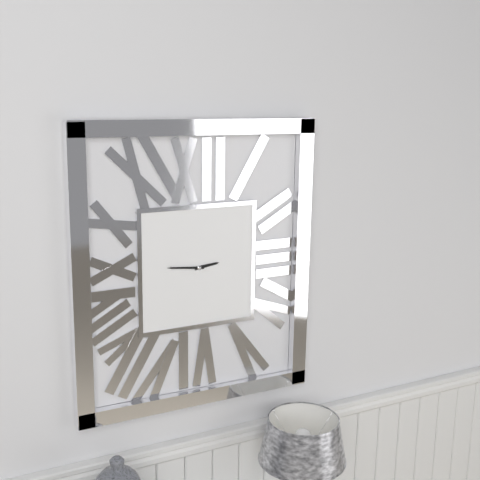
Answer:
2 h 46 min
